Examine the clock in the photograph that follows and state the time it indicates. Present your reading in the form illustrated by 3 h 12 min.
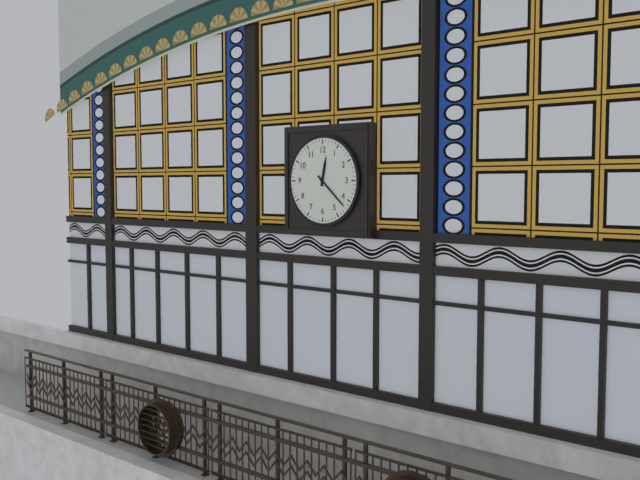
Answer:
12 h 22 min
